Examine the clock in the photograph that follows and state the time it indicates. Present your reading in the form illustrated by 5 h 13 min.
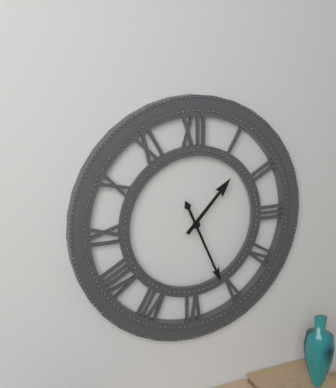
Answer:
1 h 26 min
